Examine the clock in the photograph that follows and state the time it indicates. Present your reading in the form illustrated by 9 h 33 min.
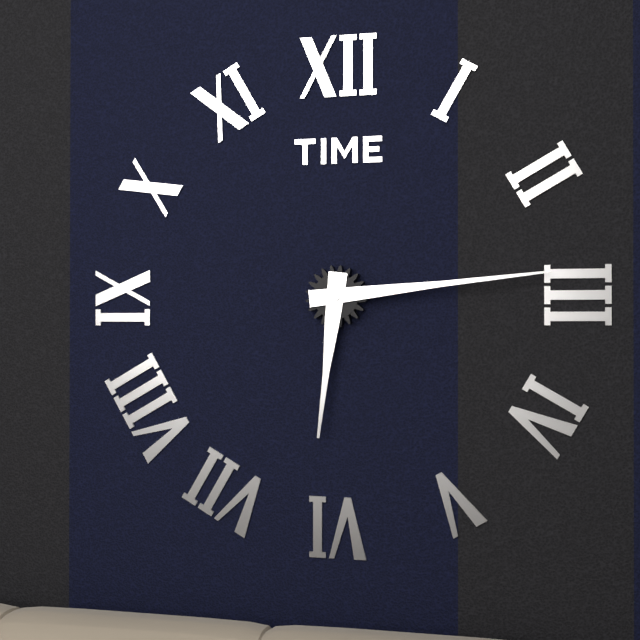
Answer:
6 h 14 min
